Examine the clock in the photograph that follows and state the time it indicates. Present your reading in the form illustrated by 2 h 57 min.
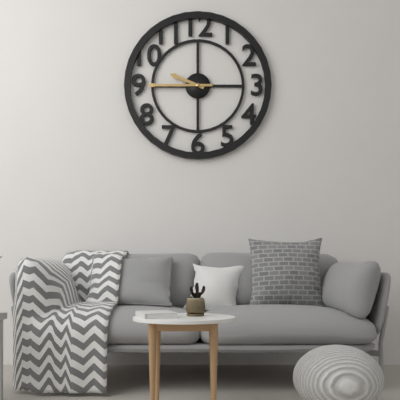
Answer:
9 h 45 min
